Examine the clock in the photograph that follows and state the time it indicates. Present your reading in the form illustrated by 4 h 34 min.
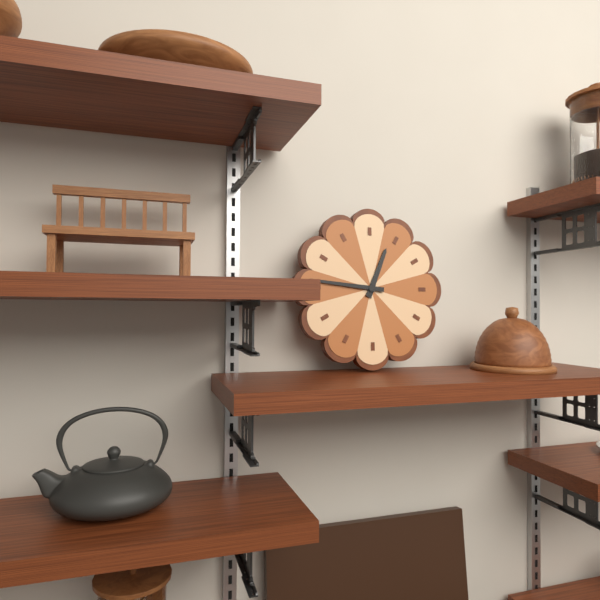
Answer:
12 h 46 min
